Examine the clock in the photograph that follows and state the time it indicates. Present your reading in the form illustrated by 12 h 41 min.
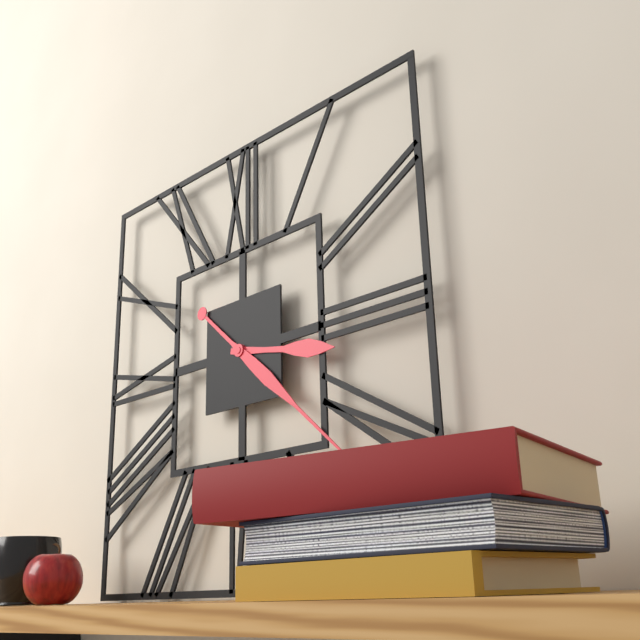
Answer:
3 h 22 min
